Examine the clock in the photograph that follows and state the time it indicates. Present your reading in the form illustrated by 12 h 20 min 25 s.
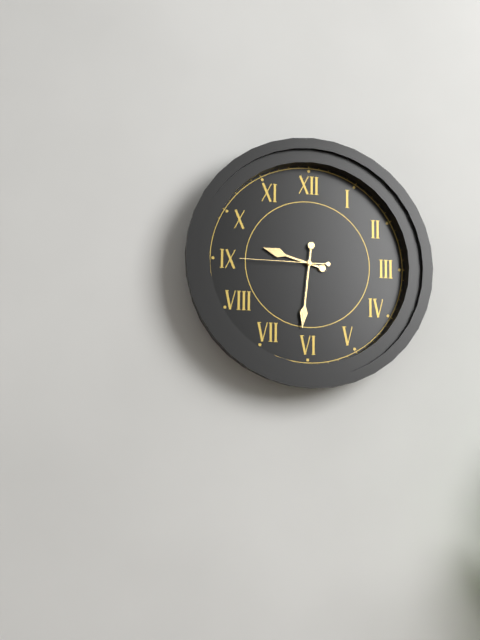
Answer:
9 h 31 min 45 s
